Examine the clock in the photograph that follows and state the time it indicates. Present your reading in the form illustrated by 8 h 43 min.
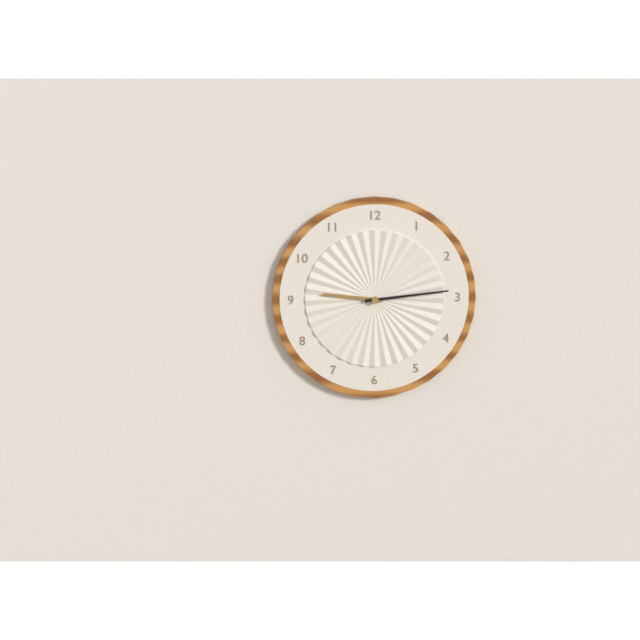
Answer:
9 h 14 min
